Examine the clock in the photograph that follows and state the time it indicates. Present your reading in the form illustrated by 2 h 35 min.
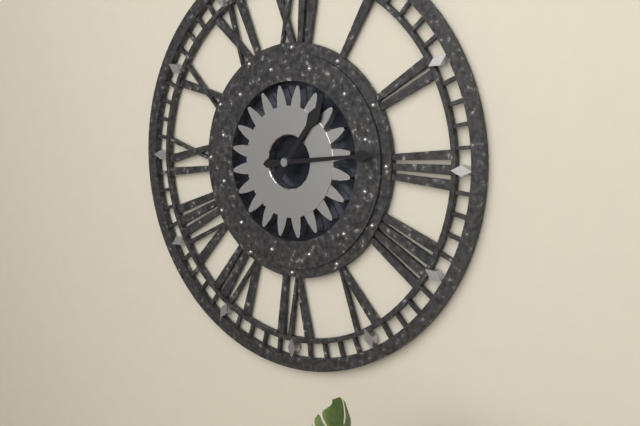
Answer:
1 h 14 min
